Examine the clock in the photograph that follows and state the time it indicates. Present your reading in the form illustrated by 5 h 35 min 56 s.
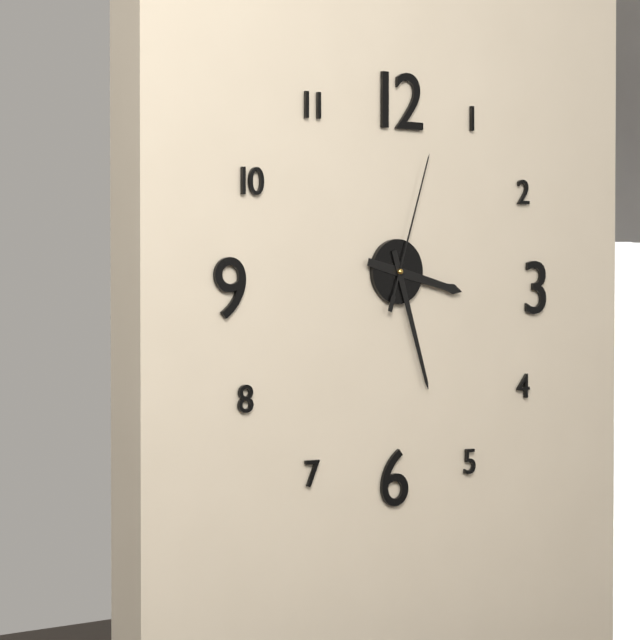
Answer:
3 h 27 min 03 s
